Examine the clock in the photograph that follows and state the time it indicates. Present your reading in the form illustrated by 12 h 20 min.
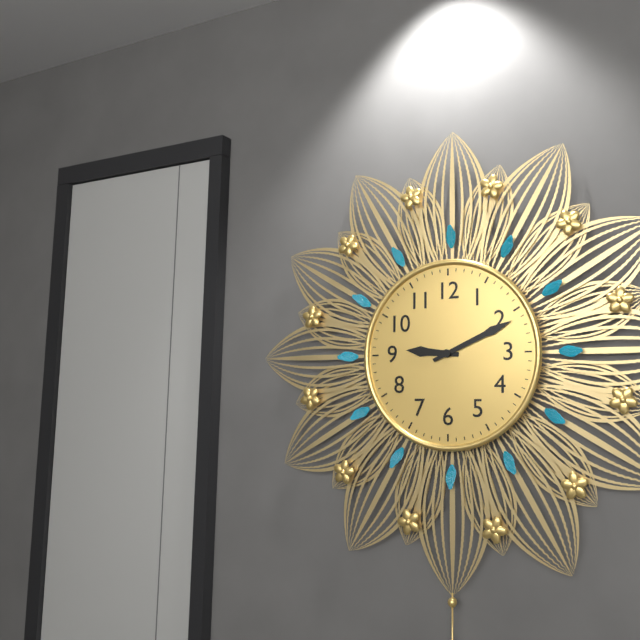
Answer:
9 h 11 min
